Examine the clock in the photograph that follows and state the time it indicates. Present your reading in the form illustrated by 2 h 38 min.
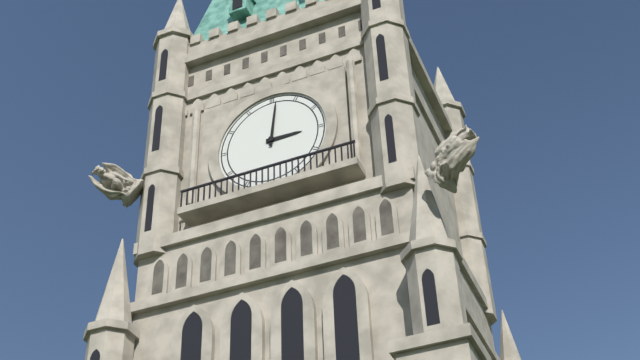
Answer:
3 h 01 min
